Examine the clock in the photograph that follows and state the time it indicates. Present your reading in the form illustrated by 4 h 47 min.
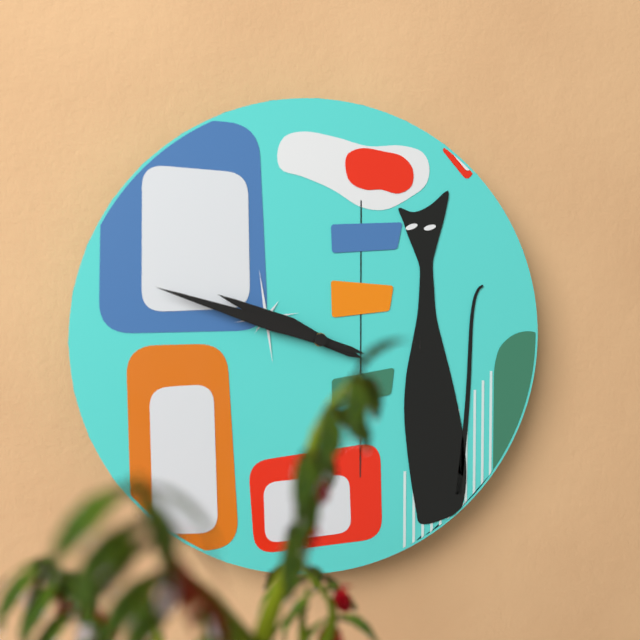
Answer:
9 h 48 min
